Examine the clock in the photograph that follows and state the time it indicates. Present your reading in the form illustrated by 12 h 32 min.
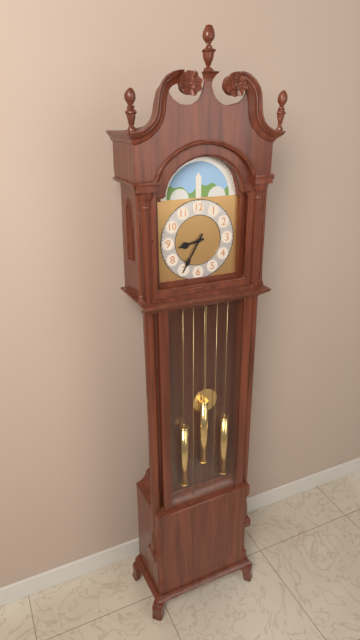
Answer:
8 h 35 min
